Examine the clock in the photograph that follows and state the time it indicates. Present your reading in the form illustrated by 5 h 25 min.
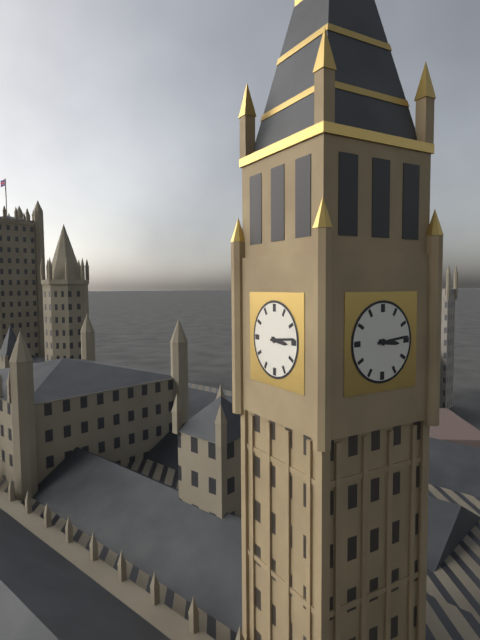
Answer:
3 h 14 min
